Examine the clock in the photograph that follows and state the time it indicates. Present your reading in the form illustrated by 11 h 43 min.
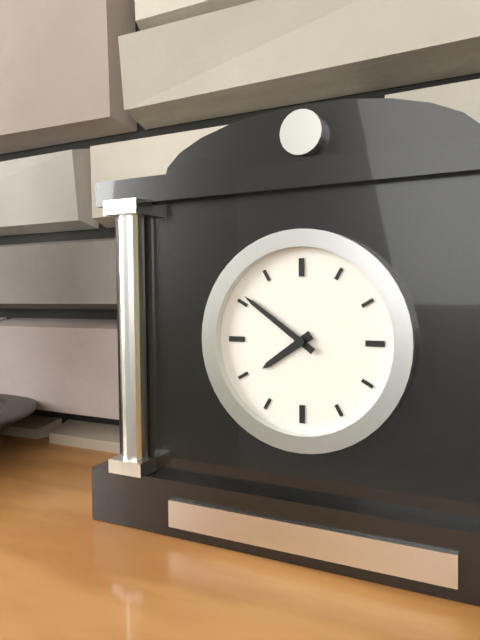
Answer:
7 h 51 min
